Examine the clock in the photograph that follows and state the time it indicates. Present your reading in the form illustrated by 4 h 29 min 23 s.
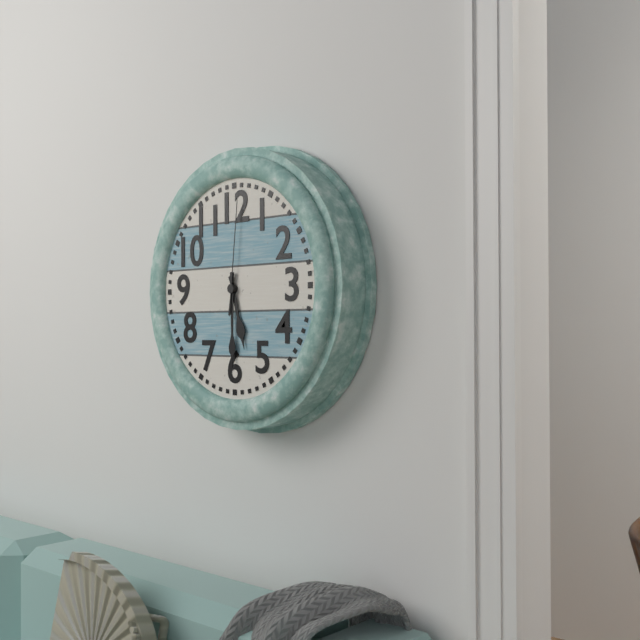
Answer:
5 h 30 min 01 s
